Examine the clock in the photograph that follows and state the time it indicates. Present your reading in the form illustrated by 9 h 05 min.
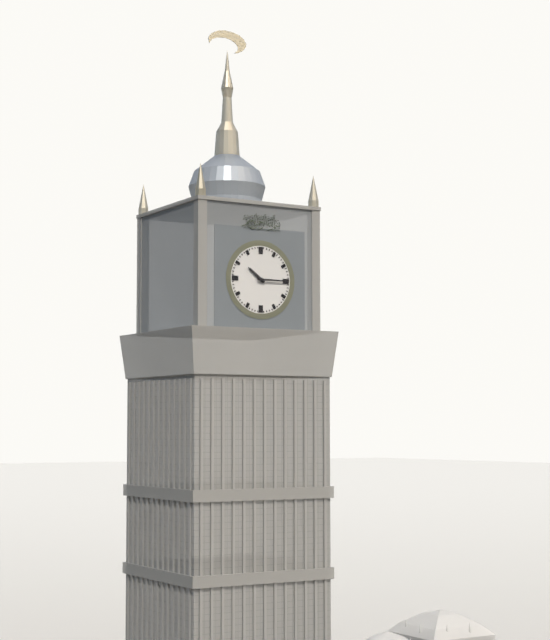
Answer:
10 h 15 min
